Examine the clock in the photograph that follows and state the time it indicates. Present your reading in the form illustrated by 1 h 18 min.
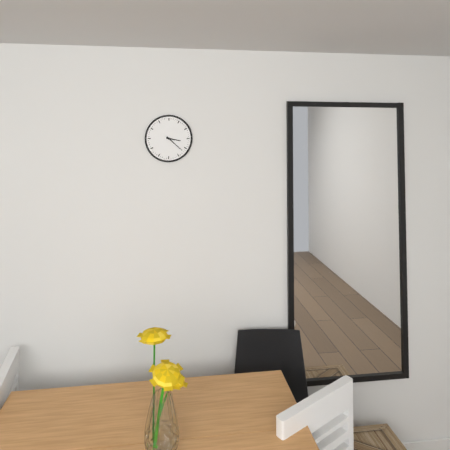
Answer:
3 h 22 min
